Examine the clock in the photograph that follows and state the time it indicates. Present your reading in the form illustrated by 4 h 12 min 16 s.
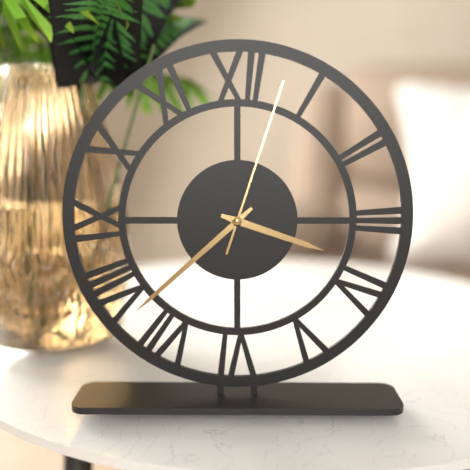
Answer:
3 h 38 min 03 s
